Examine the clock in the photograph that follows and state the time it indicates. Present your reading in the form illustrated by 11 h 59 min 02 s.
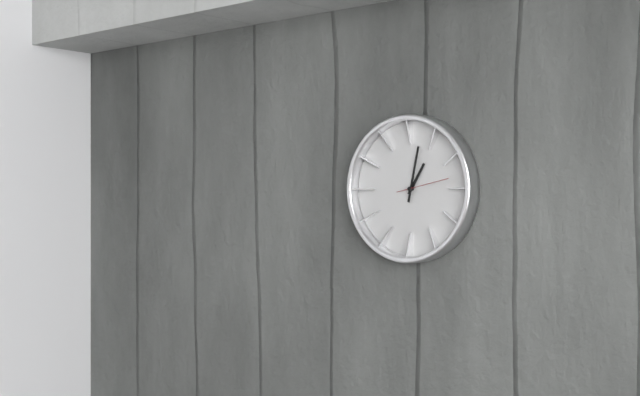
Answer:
1 h 02 min 13 s
